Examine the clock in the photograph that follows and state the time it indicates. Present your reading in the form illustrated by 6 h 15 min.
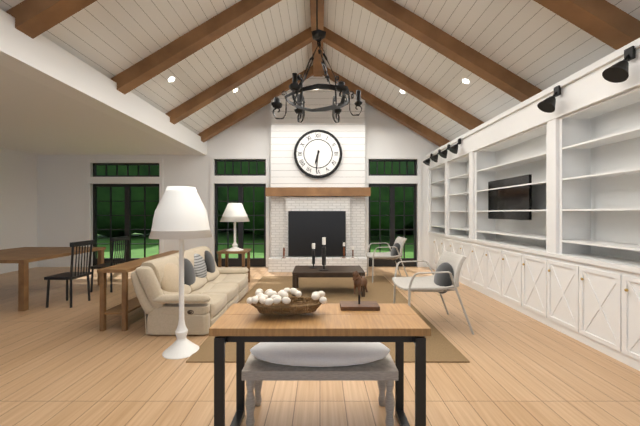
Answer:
6 h 31 min
